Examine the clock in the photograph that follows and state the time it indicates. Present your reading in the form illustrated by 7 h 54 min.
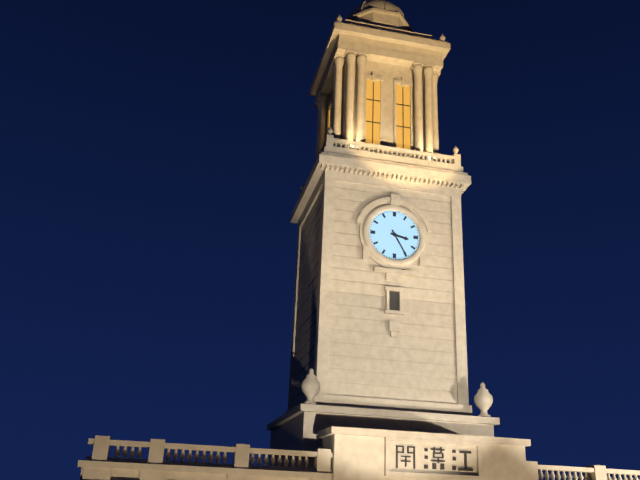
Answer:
3 h 25 min
